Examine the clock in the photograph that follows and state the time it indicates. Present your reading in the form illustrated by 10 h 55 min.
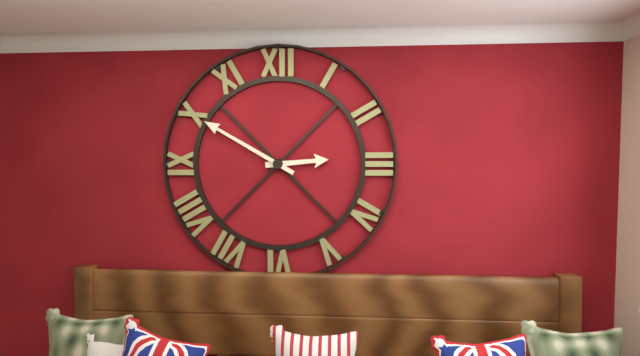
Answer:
2 h 50 min
